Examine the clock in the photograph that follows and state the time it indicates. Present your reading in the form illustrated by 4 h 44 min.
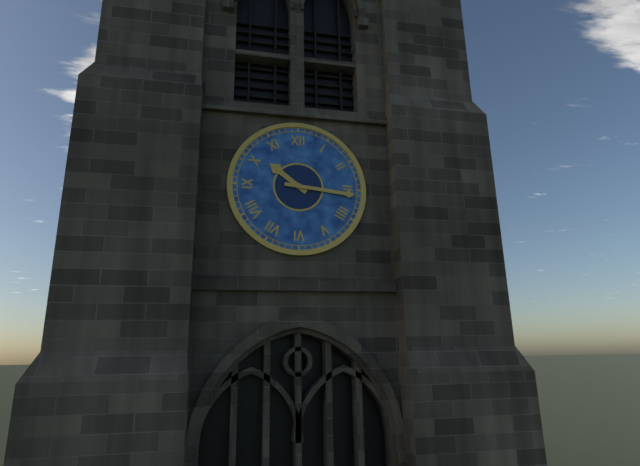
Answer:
10 h 16 min
